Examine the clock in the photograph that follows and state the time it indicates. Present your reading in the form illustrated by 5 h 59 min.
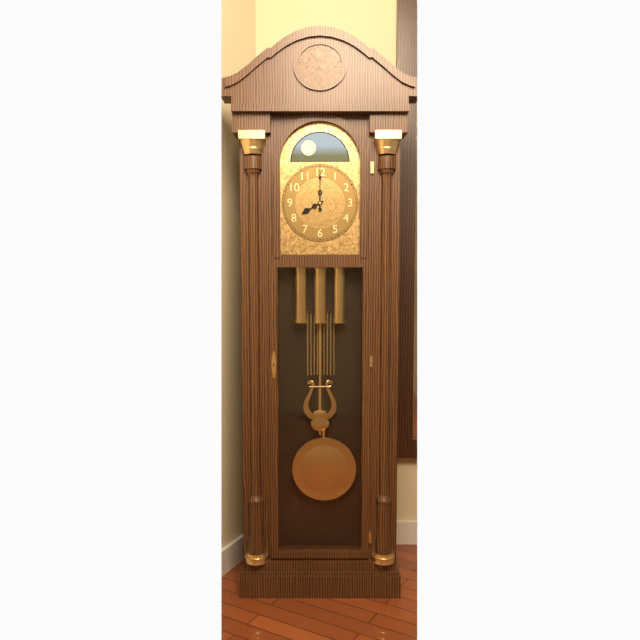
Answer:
8 h 00 min
